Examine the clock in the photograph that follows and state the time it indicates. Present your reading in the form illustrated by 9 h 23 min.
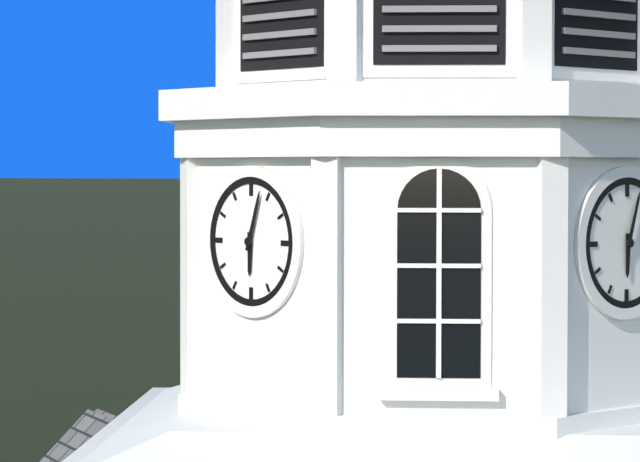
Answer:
6 h 03 min
